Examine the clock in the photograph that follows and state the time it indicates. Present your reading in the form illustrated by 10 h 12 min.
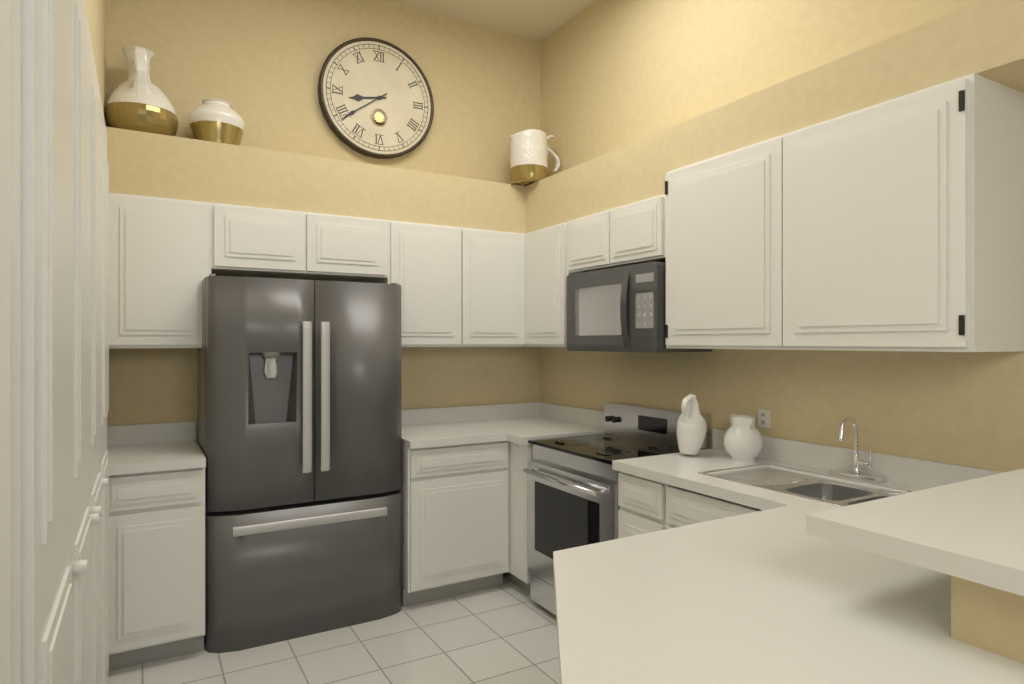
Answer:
8 h 39 min
